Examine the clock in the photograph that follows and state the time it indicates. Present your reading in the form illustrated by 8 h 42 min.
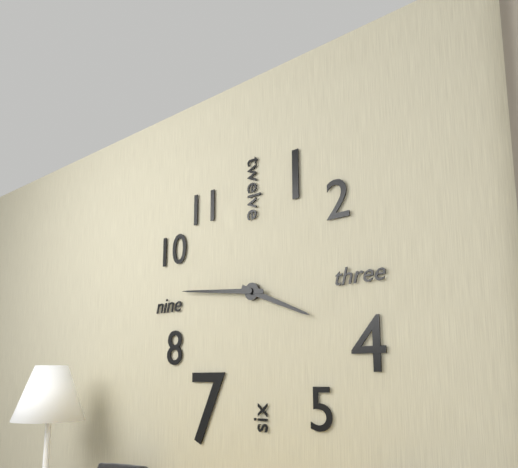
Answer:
3 h 46 min
